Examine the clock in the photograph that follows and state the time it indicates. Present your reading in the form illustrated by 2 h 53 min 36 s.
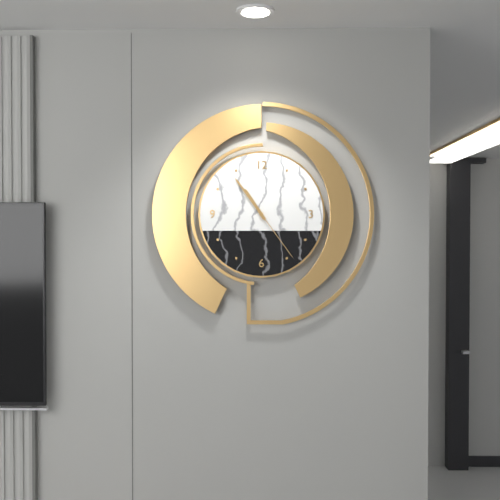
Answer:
10 h 54 min 24 s
